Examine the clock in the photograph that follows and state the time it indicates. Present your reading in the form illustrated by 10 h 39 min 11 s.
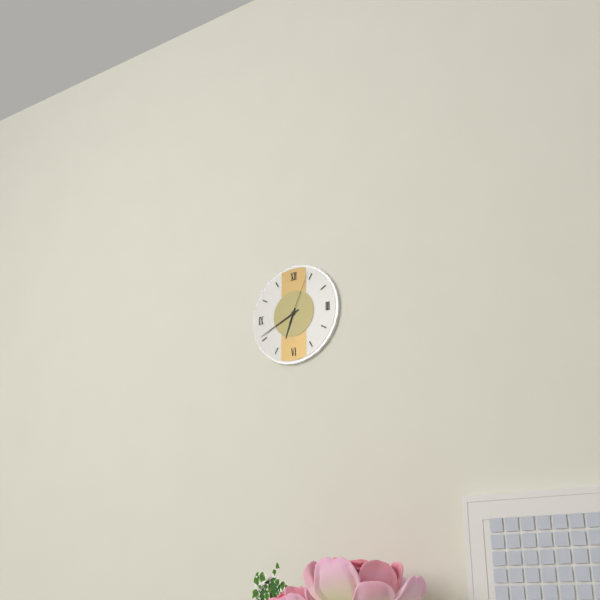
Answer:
6 h 41 min 04 s
